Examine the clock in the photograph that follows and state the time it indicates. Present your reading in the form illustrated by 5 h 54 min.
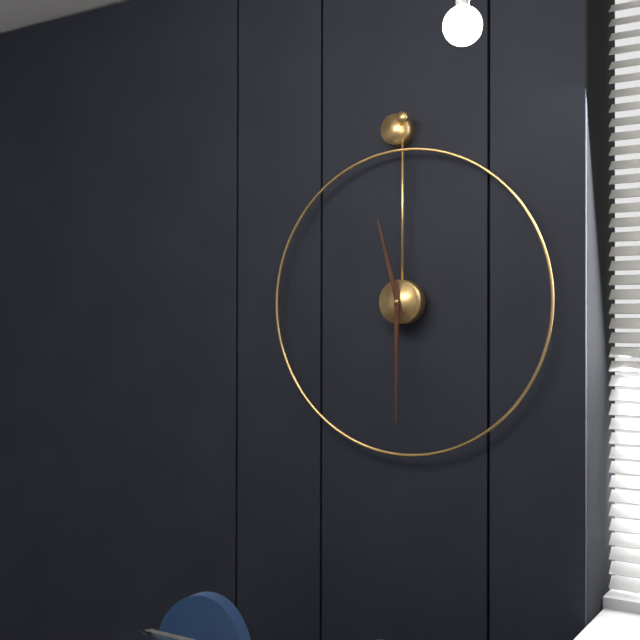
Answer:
11 h 30 min
